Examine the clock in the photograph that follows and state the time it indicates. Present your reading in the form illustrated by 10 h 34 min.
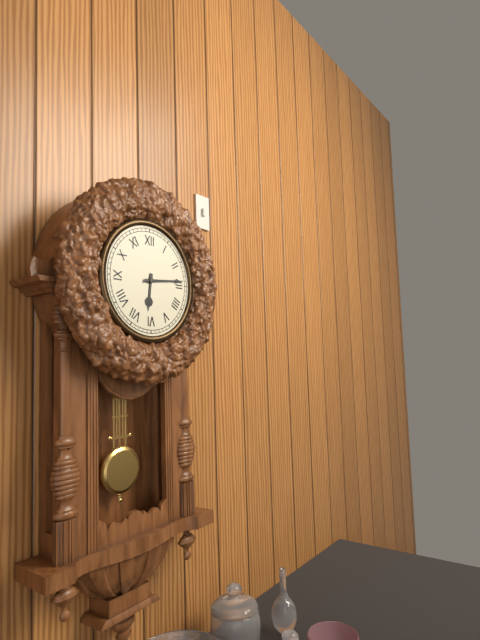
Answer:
6 h 14 min
